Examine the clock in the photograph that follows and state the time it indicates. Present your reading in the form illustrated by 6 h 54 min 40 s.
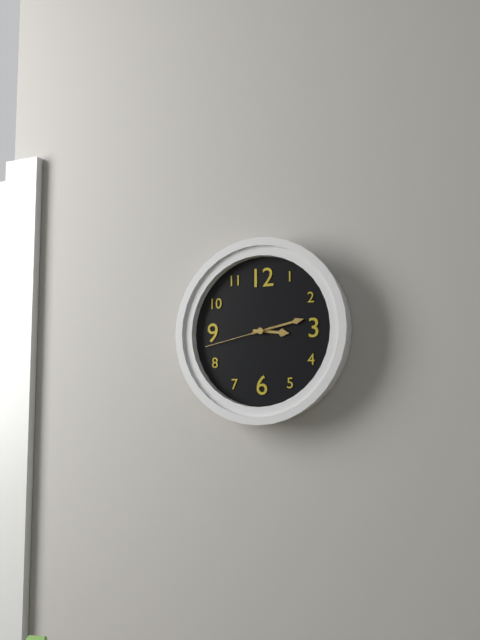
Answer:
3 h 13 min 43 s
